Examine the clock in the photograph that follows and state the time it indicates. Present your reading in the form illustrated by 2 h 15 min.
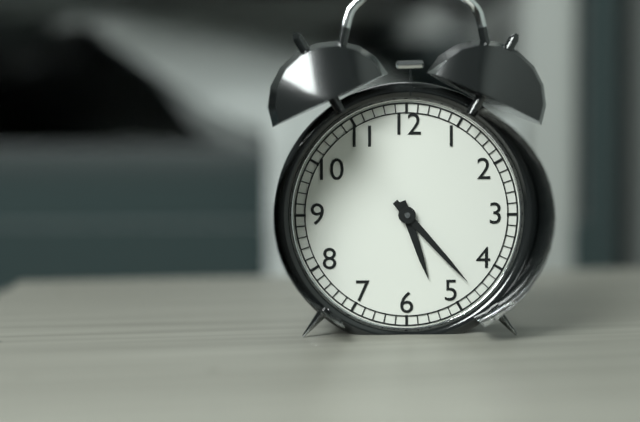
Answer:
5 h 23 min
